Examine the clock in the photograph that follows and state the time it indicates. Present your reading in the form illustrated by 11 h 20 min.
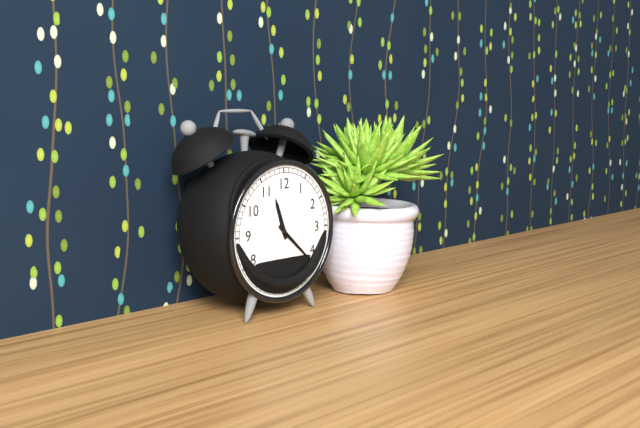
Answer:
11 h 22 min
